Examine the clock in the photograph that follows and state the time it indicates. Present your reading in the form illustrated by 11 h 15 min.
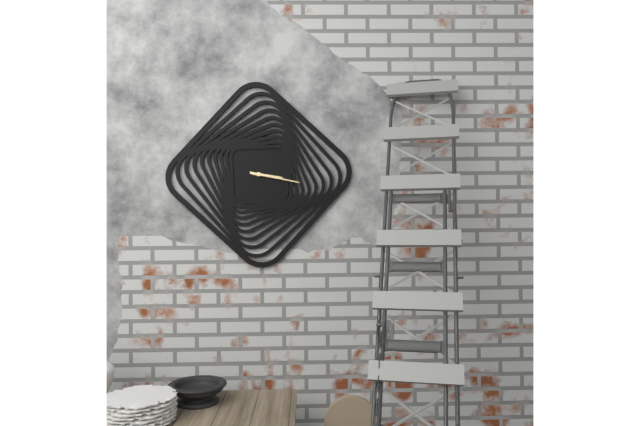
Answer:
3 h 17 min
